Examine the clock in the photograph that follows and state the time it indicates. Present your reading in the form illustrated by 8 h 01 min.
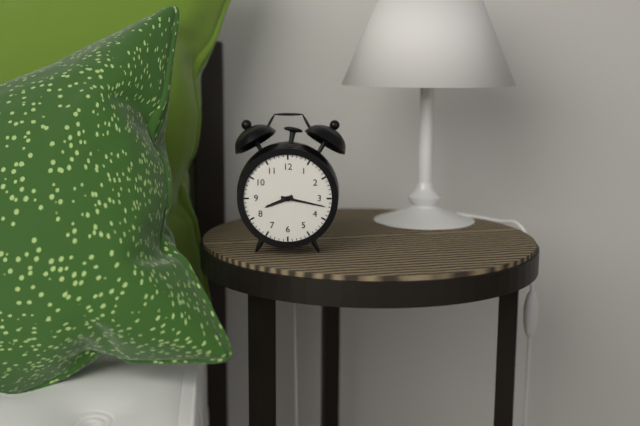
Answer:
8 h 17 min
